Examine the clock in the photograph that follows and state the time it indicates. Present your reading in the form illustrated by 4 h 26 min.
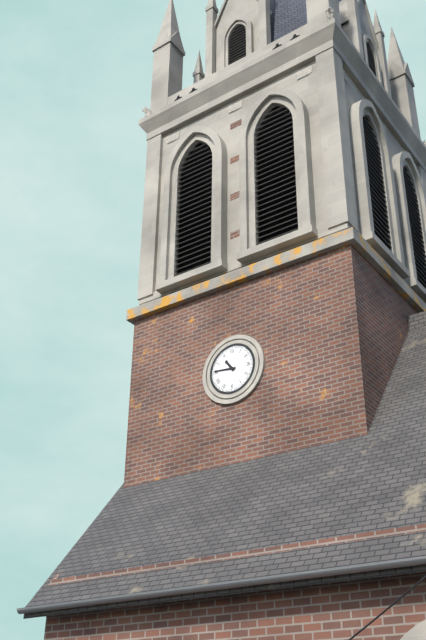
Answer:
10 h 46 min
